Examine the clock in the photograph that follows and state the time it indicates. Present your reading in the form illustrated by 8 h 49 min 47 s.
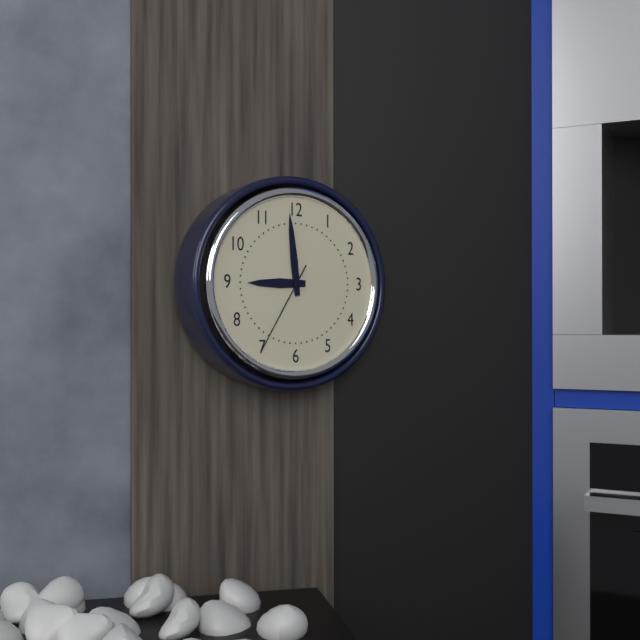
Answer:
8 h 59 min 35 s
